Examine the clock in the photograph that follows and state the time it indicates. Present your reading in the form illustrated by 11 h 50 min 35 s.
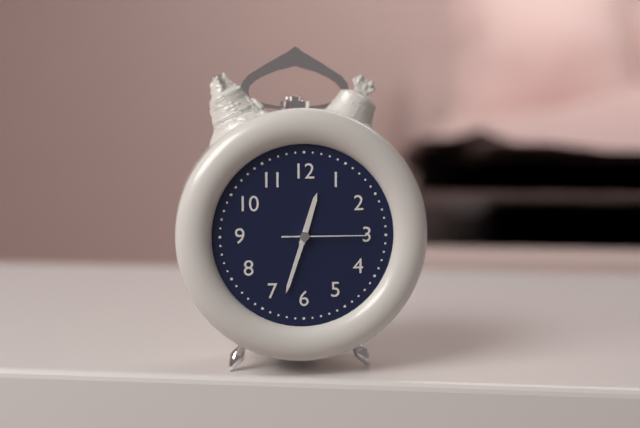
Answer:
12 h 33 min 15 s
